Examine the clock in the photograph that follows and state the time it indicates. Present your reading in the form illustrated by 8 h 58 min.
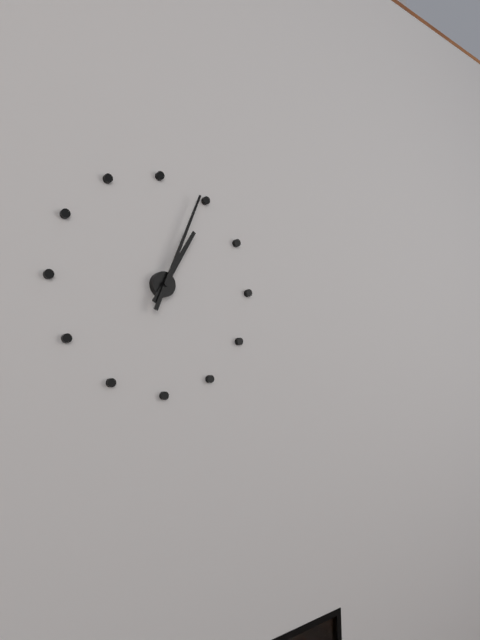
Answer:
1 h 04 min
